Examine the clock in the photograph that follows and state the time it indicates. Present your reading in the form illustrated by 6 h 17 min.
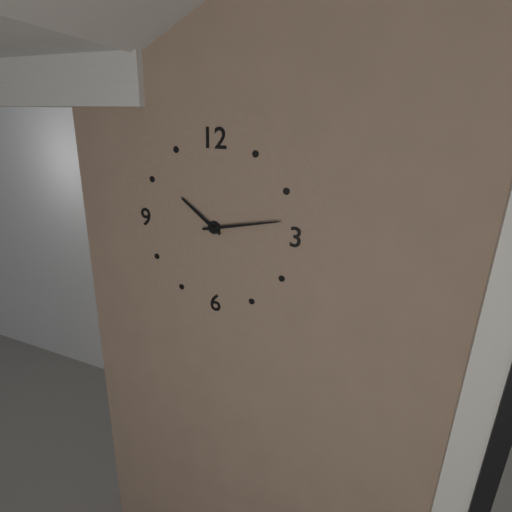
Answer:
10 h 13 min
